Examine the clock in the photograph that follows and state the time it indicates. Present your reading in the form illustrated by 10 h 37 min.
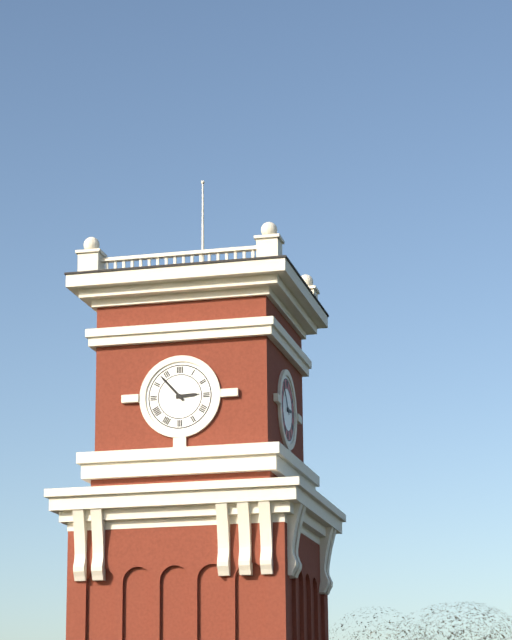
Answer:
2 h 53 min
